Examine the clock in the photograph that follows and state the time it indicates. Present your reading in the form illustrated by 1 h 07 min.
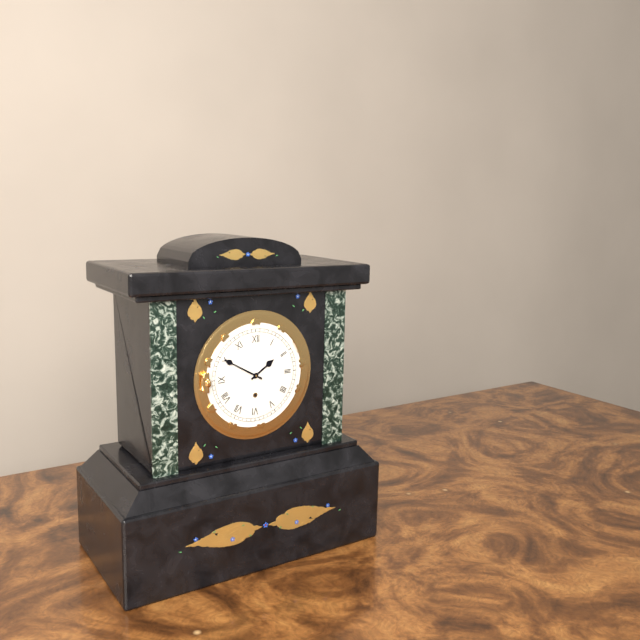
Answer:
1 h 50 min
